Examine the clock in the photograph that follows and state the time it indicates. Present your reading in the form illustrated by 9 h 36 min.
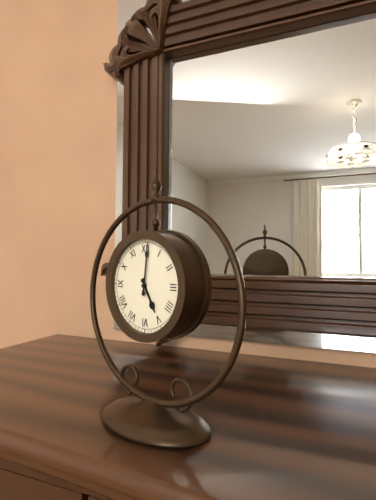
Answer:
5 h 01 min
